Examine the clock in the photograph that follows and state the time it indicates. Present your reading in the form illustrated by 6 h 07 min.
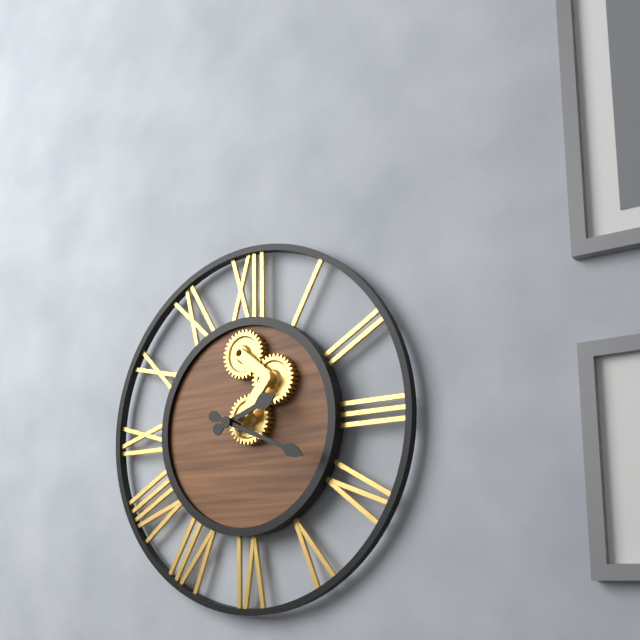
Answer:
2 h 19 min
